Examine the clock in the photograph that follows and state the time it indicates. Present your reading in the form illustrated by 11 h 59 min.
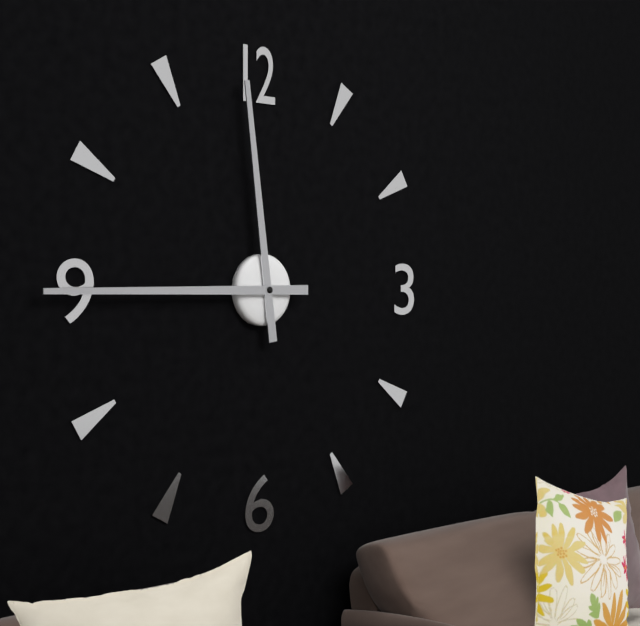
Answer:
11 h 45 min
